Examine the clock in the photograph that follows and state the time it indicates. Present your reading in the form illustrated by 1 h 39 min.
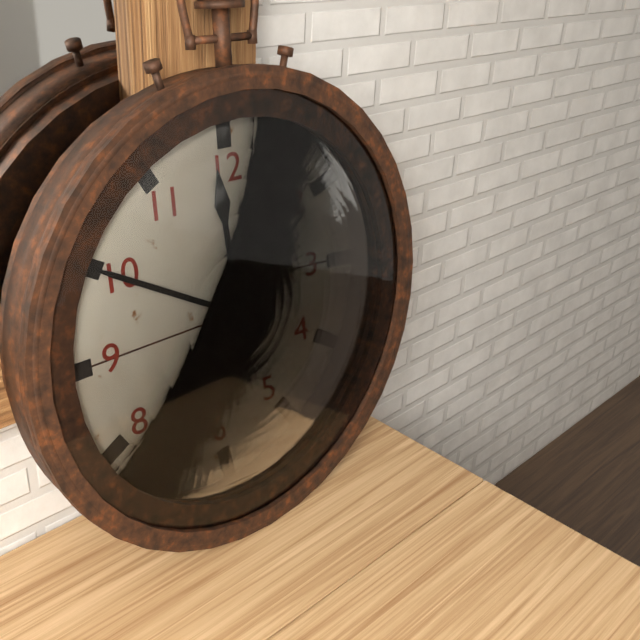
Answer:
11 h 50 min
